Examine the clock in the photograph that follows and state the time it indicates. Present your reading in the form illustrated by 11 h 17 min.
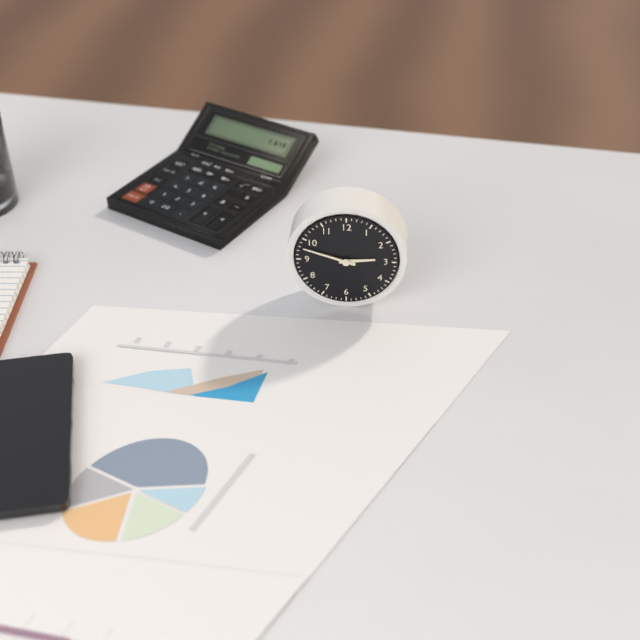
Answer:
2 h 48 min
